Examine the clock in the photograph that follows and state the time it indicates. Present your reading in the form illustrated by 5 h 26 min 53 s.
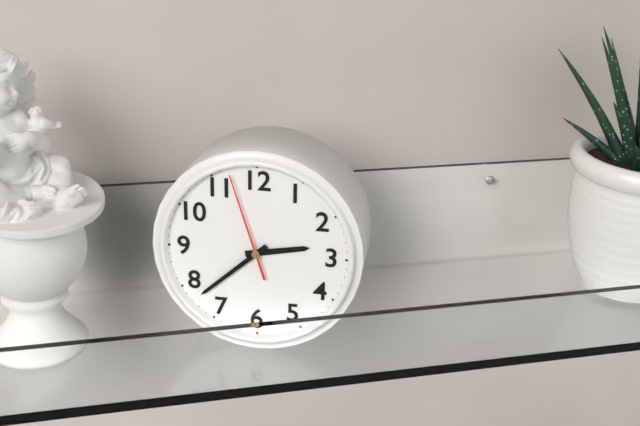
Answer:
2 h 38 min 57 s
